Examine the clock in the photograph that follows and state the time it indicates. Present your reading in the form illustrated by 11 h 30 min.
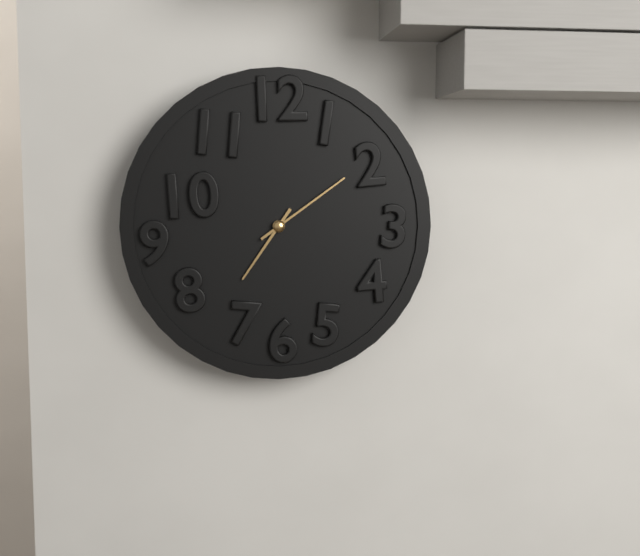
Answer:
7 h 09 min
